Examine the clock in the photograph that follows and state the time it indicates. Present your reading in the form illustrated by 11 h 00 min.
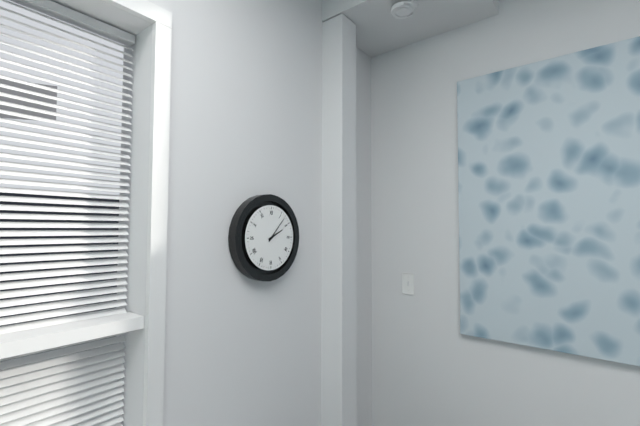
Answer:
2 h 07 min
